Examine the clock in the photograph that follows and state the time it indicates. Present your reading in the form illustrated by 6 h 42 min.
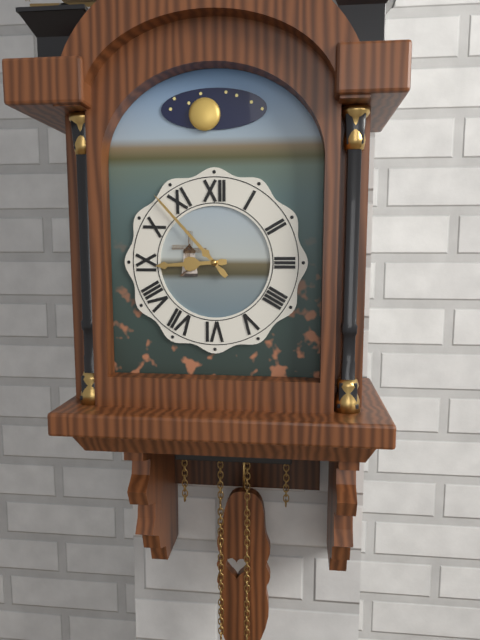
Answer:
8 h 53 min
